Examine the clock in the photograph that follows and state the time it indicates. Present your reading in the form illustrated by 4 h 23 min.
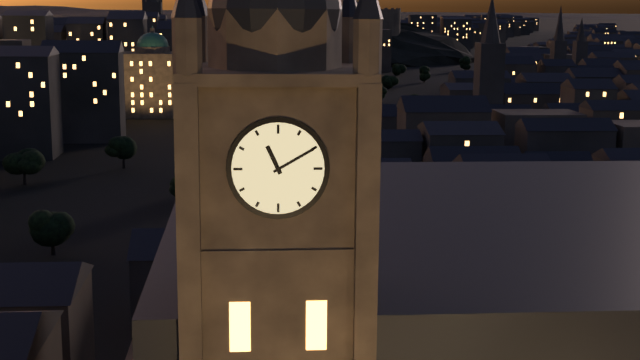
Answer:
11 h 10 min
